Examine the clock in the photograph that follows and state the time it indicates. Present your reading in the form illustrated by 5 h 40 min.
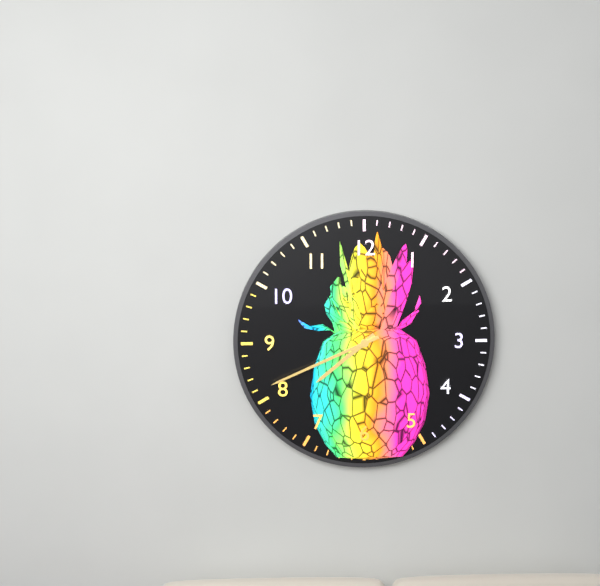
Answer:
7 h 41 min
